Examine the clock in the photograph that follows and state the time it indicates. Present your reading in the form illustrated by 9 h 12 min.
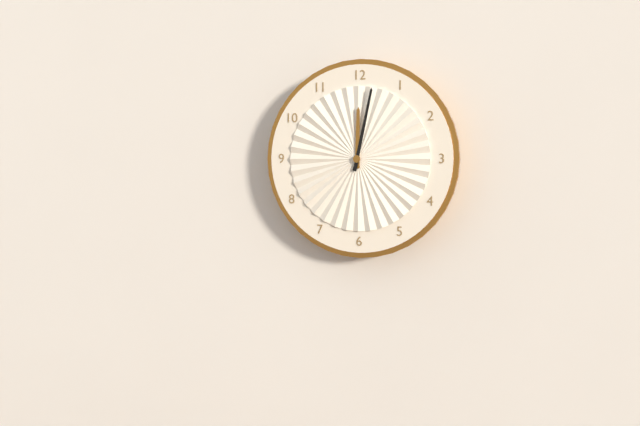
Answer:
12 h 02 min
